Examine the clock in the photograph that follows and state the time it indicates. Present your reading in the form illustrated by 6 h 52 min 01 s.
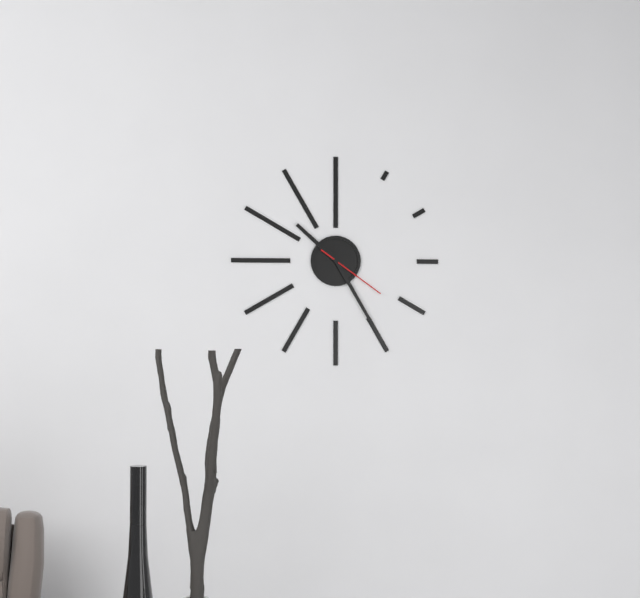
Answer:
10 h 25 min 21 s
